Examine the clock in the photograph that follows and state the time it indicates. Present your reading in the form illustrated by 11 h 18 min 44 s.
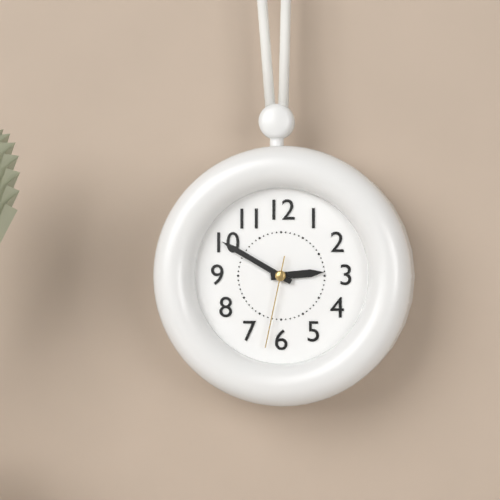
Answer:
2 h 50 min 32 s
